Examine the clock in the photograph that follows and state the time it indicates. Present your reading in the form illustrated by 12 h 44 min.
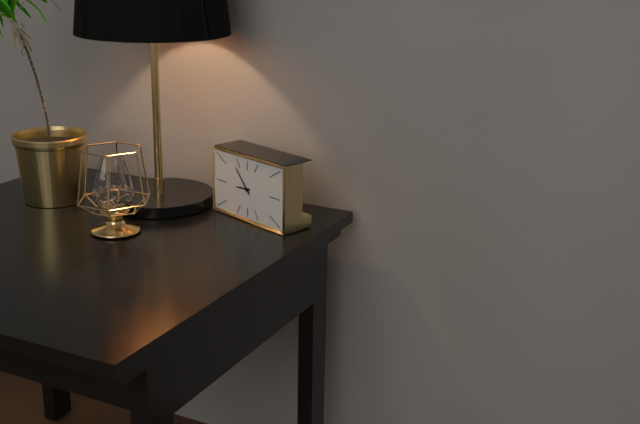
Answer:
8 h 53 min
